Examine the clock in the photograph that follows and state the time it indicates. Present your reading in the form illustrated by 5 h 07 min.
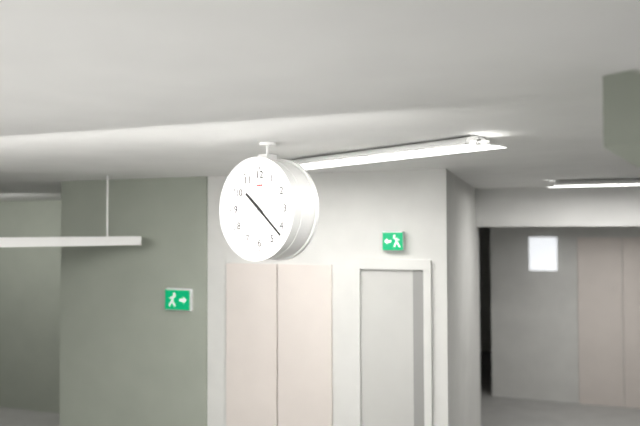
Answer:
10 h 22 min
